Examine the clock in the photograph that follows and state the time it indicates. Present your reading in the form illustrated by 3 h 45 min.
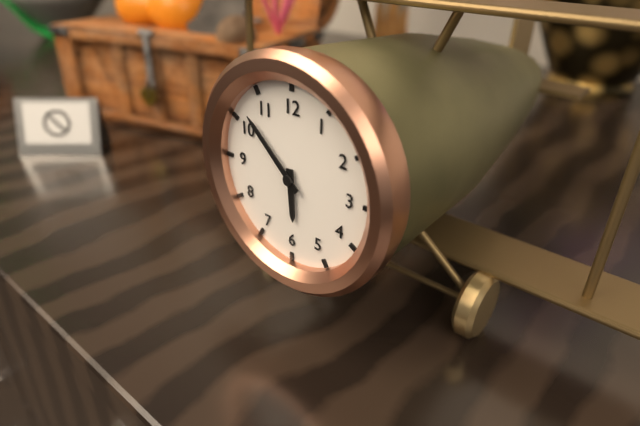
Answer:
5 h 52 min
